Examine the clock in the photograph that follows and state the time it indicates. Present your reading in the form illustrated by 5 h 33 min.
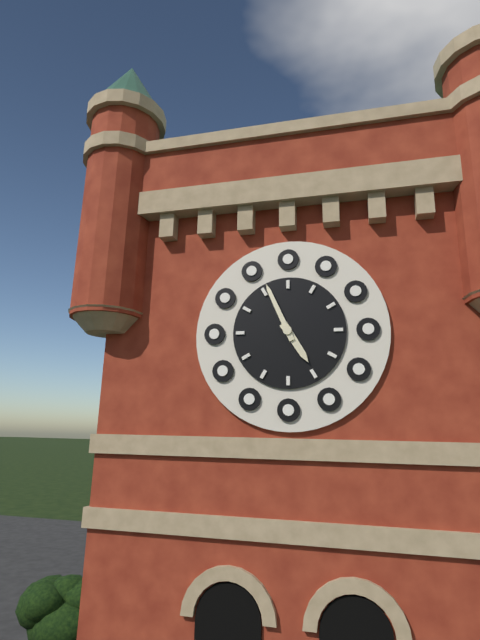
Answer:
4 h 56 min
